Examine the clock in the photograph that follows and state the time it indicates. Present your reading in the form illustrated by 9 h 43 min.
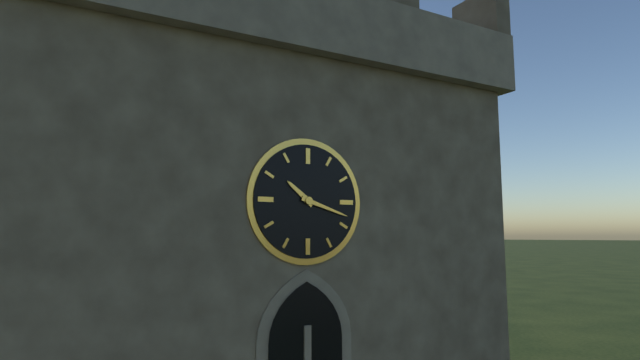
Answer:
10 h 18 min
